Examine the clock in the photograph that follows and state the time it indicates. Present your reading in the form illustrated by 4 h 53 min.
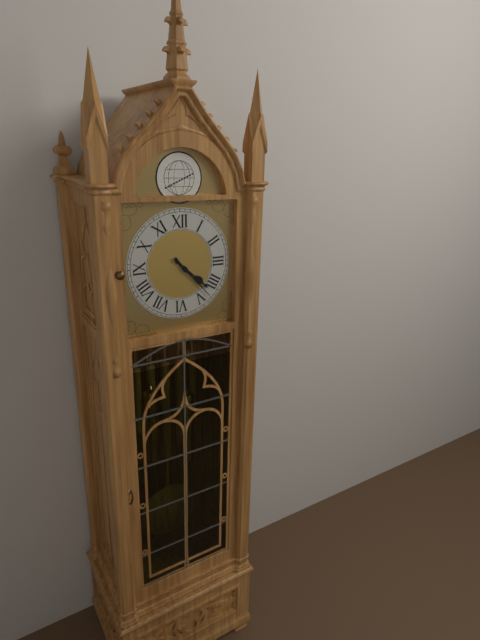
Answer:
4 h 23 min
